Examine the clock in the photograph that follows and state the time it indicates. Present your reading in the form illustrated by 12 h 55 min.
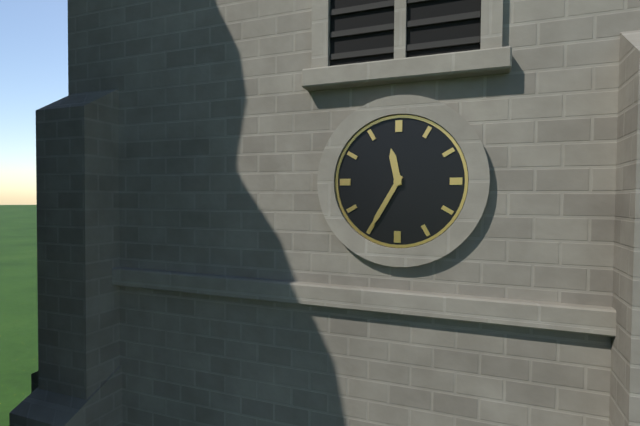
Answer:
11 h 35 min
